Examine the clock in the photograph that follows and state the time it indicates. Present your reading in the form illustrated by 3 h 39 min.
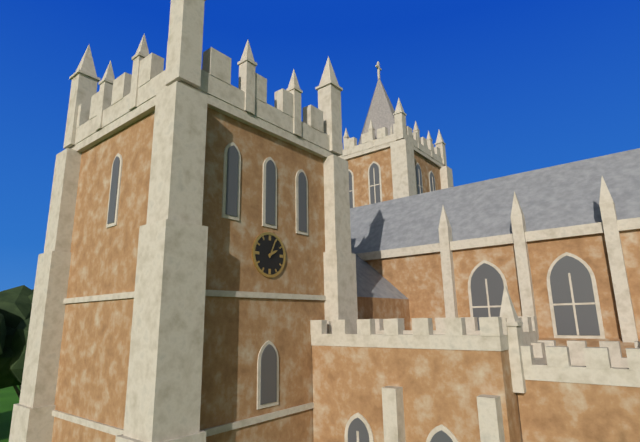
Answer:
2 h 04 min
